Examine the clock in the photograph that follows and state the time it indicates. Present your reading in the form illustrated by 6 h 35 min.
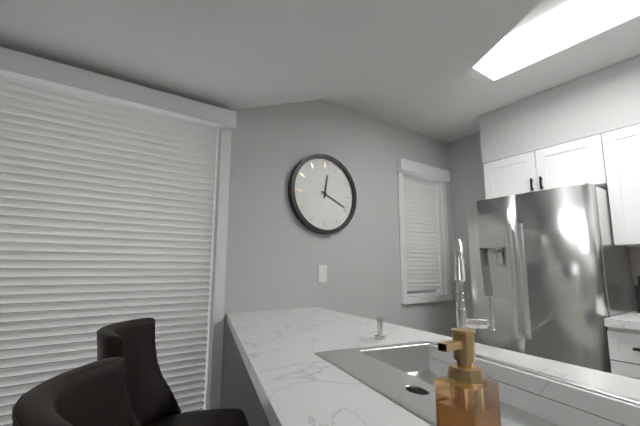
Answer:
12 h 19 min
